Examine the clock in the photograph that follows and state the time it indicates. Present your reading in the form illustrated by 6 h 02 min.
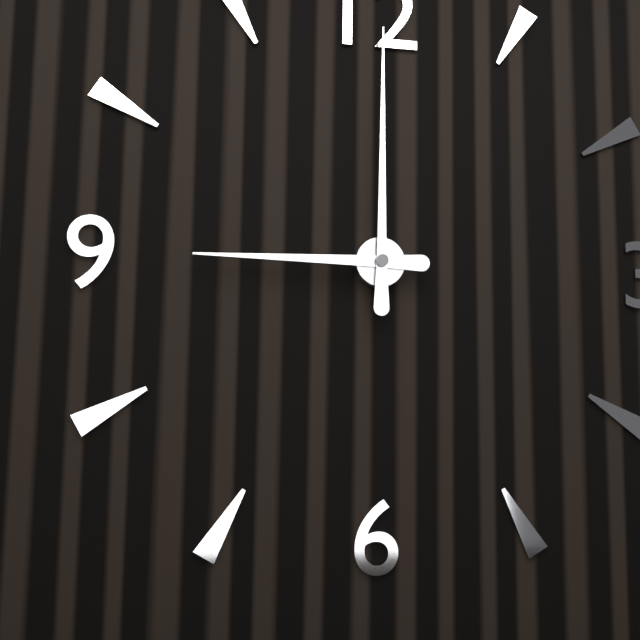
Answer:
9 h 00 min
